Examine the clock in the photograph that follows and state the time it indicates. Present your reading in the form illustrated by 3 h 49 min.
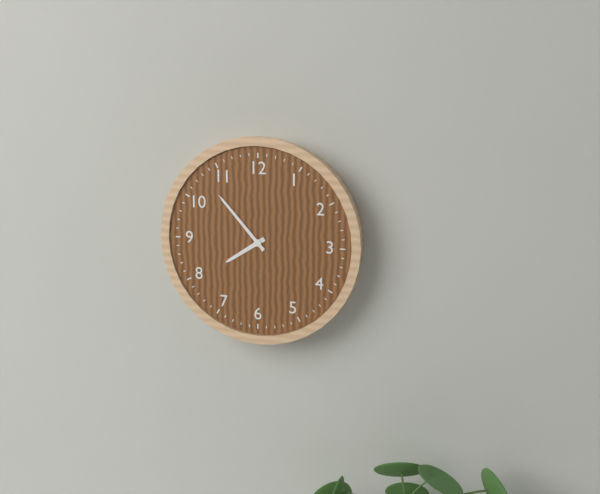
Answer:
7 h 53 min
